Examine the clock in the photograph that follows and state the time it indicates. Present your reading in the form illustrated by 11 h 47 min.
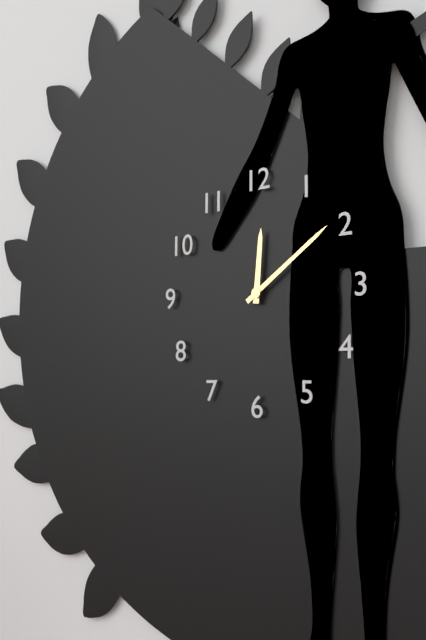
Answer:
12 h 09 min
